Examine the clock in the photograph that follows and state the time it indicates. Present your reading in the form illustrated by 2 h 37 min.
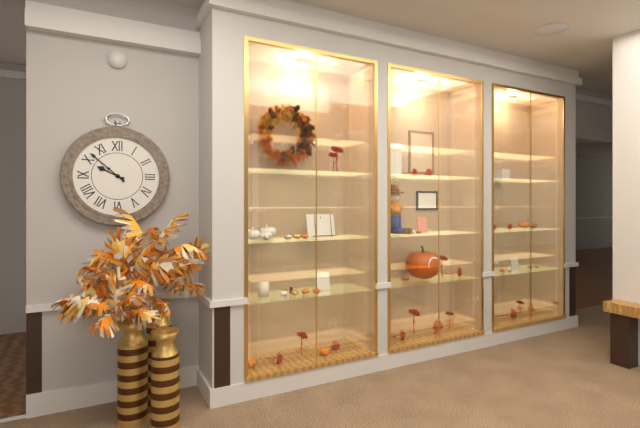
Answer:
9 h 52 min
